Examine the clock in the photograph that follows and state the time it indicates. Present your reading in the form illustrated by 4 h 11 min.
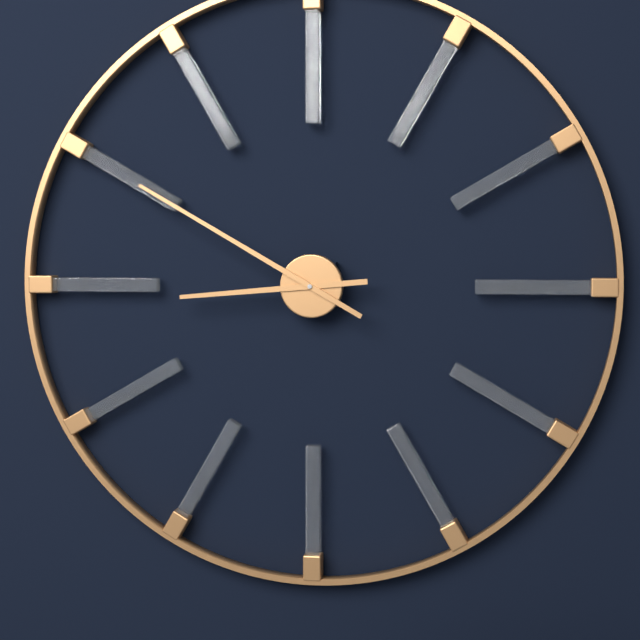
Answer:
8 h 50 min
